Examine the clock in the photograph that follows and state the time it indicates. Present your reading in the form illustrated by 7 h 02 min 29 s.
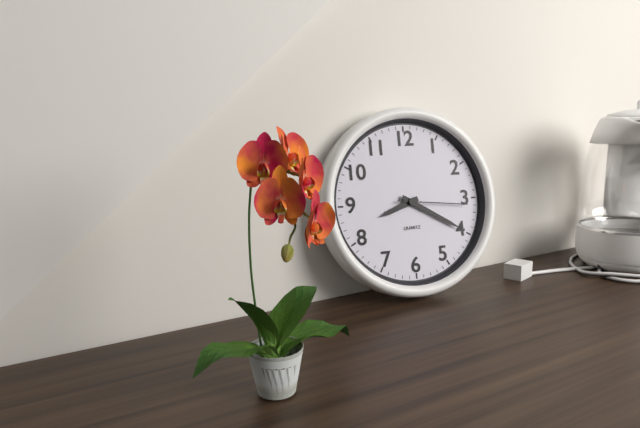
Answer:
8 h 20 min 16 s
